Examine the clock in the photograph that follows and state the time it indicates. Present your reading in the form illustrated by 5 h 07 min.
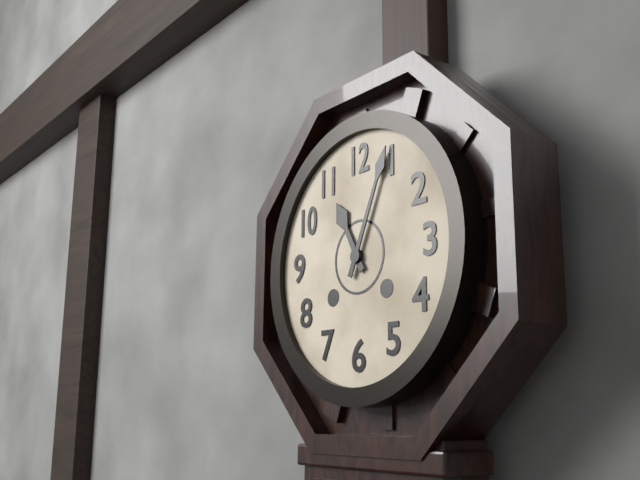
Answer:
11 h 04 min
